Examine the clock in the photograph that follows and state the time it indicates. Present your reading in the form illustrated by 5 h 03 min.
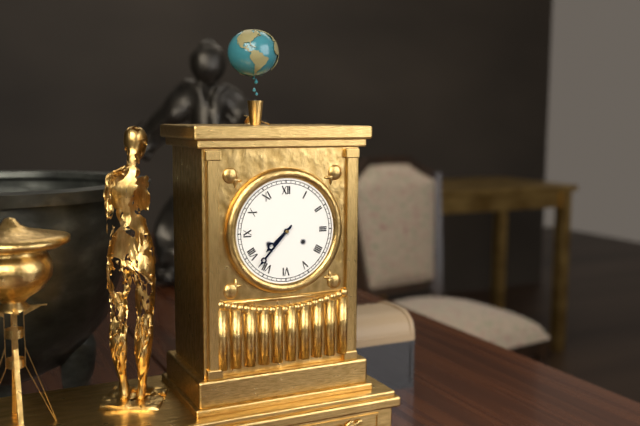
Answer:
7 h 37 min
